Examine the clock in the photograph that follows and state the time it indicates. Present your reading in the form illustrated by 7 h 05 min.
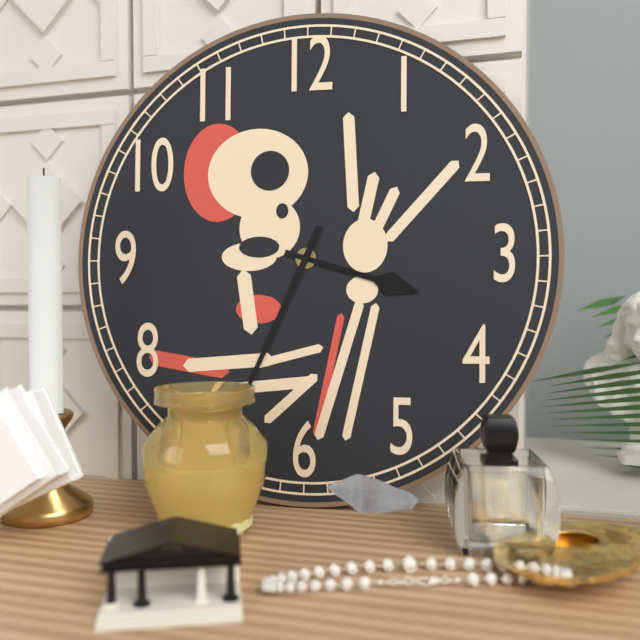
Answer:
3 h 34 min
